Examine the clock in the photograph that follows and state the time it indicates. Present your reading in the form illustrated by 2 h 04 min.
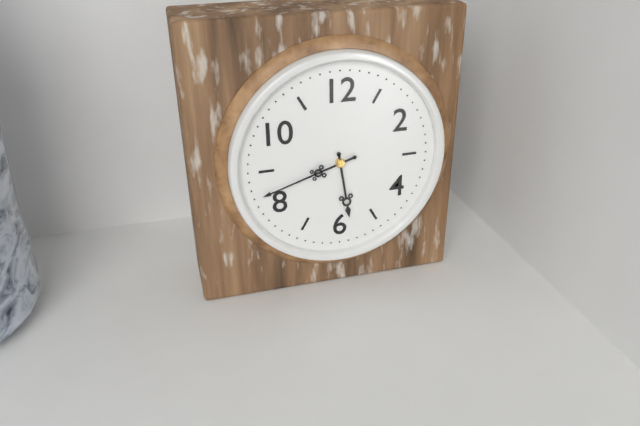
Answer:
5 h 42 min
